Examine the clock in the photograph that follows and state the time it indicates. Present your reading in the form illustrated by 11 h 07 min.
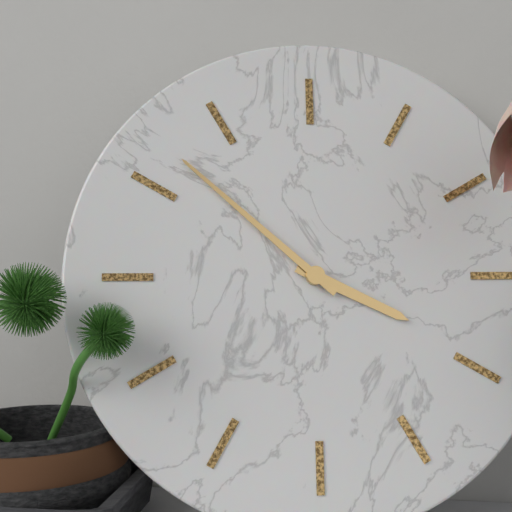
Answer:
3 h 52 min
